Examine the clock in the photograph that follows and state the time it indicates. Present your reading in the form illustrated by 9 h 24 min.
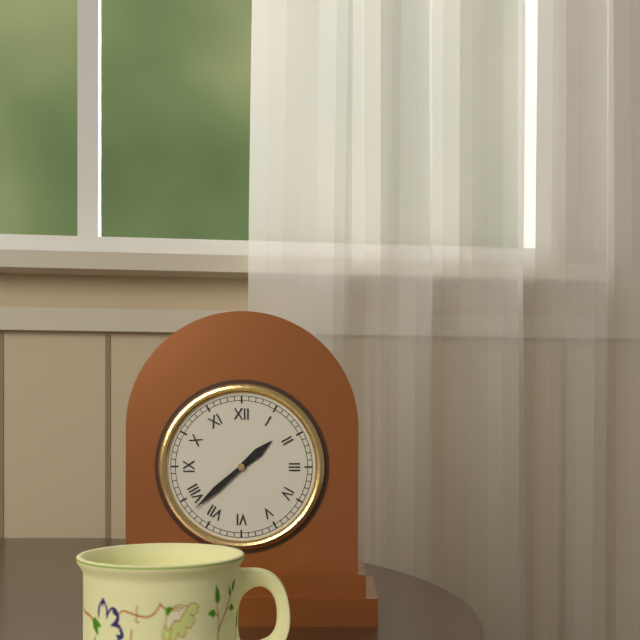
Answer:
1 h 38 min
